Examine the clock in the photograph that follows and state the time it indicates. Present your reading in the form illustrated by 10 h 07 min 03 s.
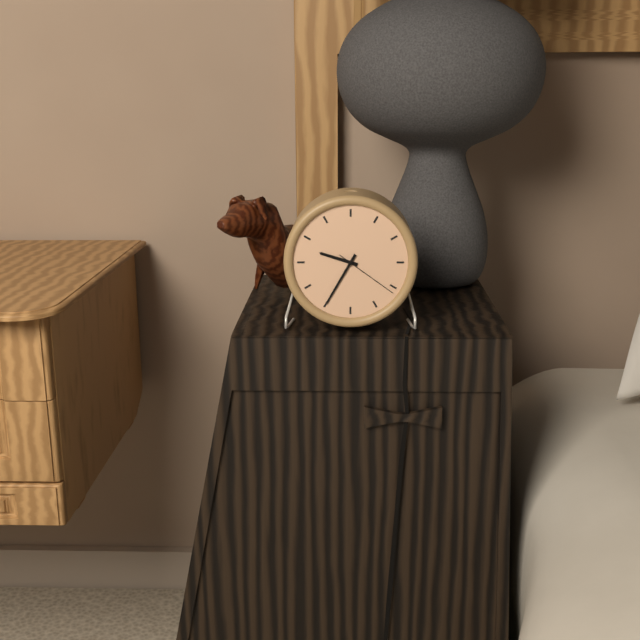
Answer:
9 h 35 min 21 s
